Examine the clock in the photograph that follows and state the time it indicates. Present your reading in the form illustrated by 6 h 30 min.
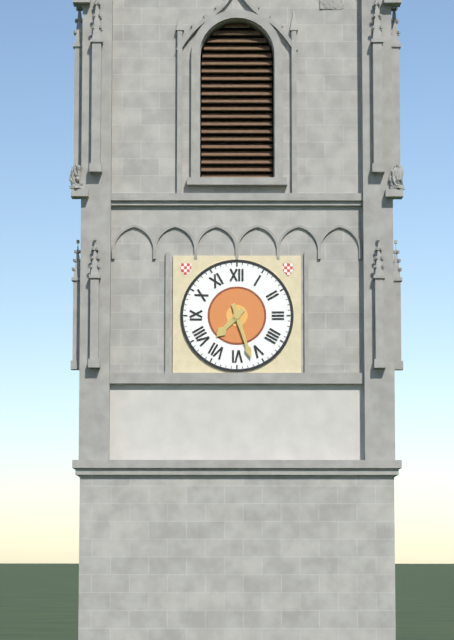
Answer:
7 h 27 min
